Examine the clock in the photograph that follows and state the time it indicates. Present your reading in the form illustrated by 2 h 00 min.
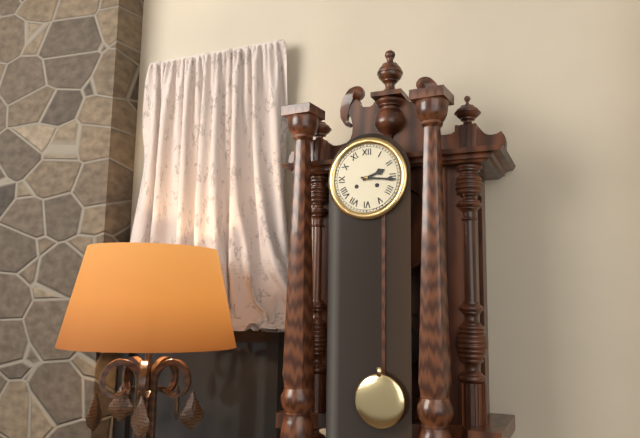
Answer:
2 h 16 min
